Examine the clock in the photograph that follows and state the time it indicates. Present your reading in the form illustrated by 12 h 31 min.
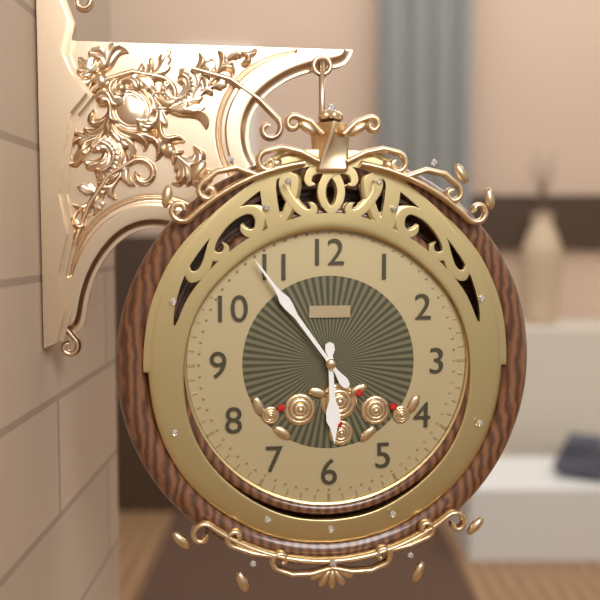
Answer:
5 h 54 min
